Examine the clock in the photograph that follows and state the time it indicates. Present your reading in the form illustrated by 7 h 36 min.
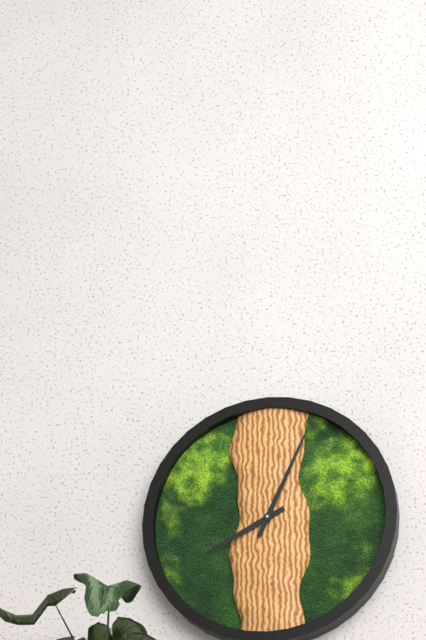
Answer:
8 h 04 min
